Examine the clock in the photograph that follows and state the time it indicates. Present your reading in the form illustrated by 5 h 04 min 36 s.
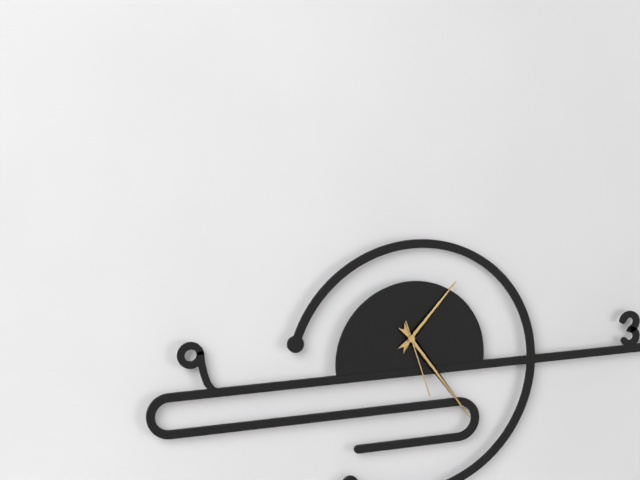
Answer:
1 h 24 min 27 s
